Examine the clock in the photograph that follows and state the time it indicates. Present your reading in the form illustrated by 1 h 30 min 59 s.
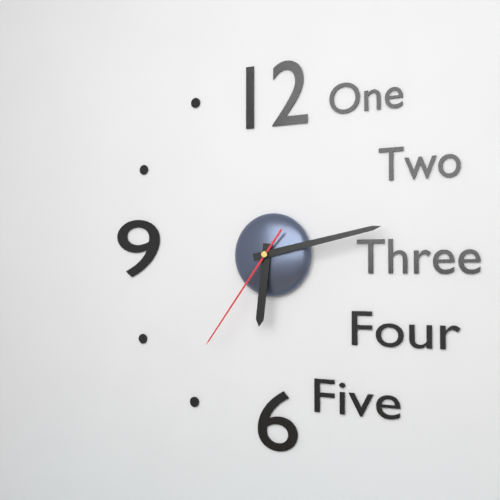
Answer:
6 h 13 min 36 s
